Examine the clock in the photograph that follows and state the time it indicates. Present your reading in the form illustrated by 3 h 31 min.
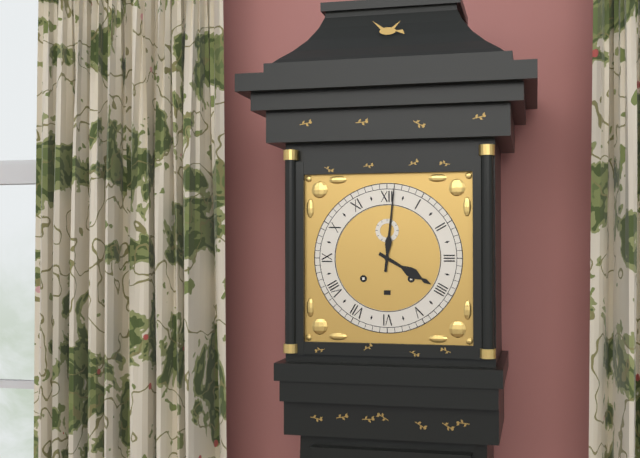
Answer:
4 h 01 min
